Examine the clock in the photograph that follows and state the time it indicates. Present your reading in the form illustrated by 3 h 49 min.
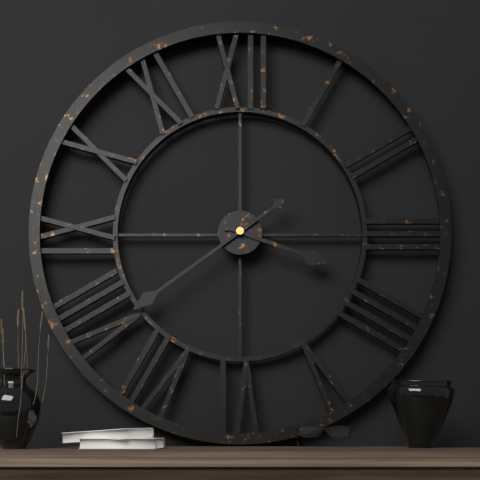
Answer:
3 h 39 min
